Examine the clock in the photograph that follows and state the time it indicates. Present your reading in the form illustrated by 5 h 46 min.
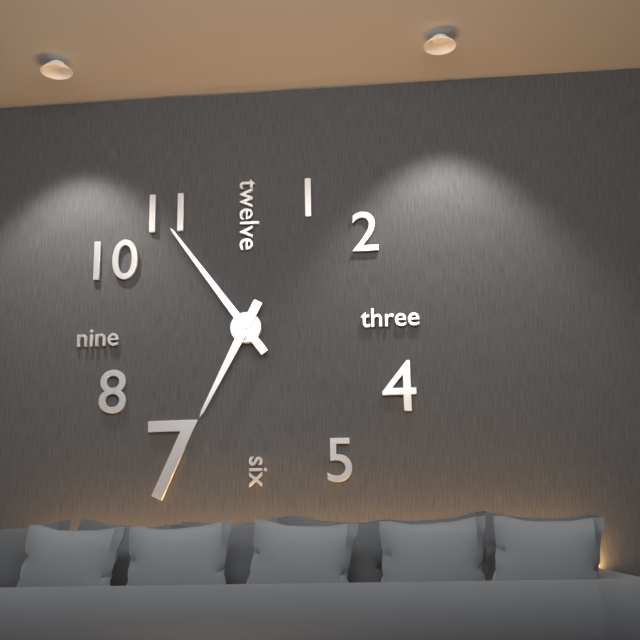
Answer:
6 h 54 min
